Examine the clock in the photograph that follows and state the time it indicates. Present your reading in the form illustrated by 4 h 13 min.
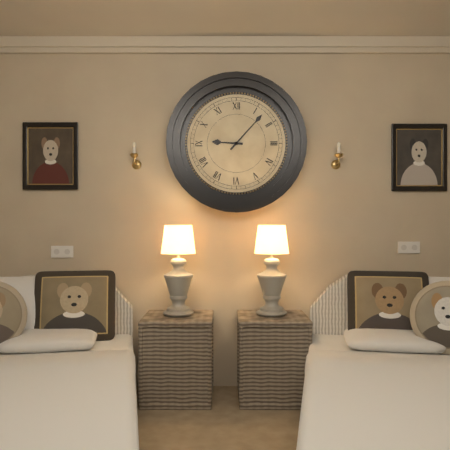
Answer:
9 h 07 min
